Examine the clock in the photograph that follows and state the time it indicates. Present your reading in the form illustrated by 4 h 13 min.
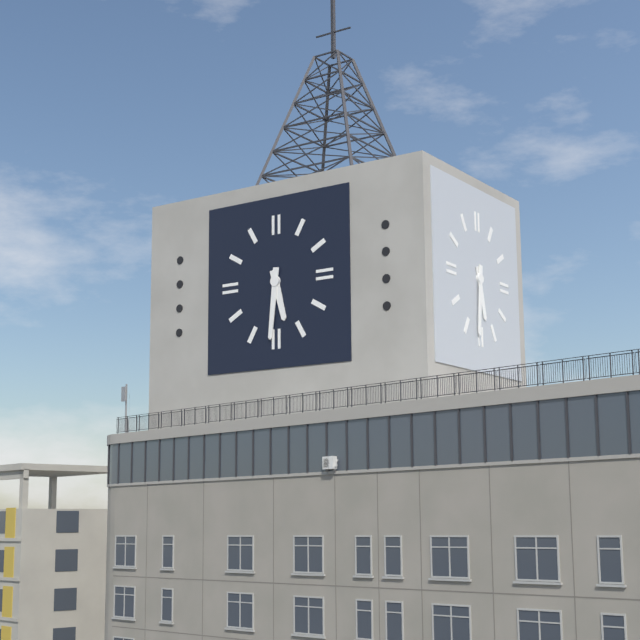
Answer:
5 h 31 min
